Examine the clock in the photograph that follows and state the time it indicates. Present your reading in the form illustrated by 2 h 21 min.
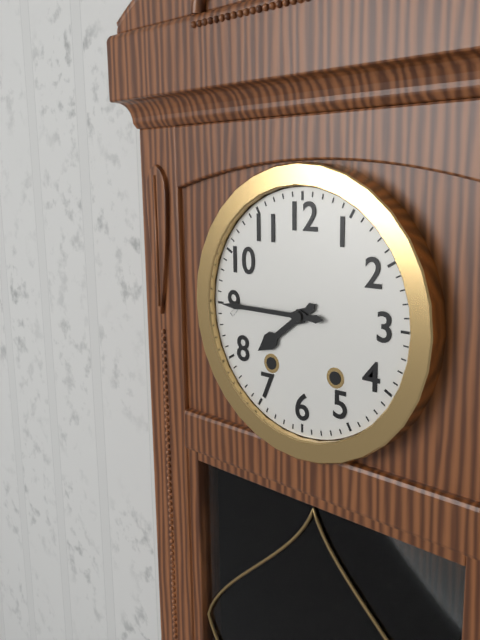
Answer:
7 h 45 min
